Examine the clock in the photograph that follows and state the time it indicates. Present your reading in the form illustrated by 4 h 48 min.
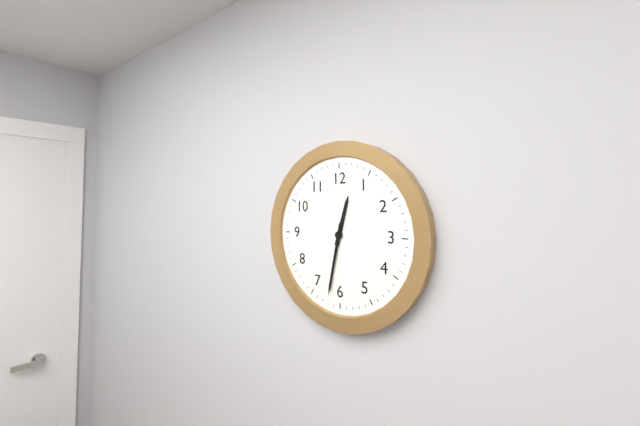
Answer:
12 h 32 min
